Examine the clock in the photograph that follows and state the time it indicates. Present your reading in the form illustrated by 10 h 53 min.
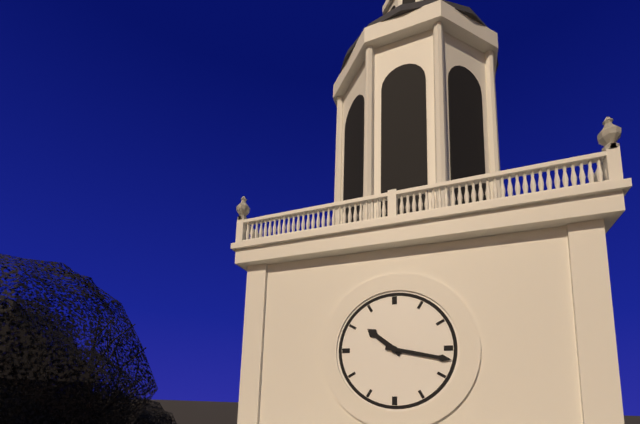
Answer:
10 h 17 min
